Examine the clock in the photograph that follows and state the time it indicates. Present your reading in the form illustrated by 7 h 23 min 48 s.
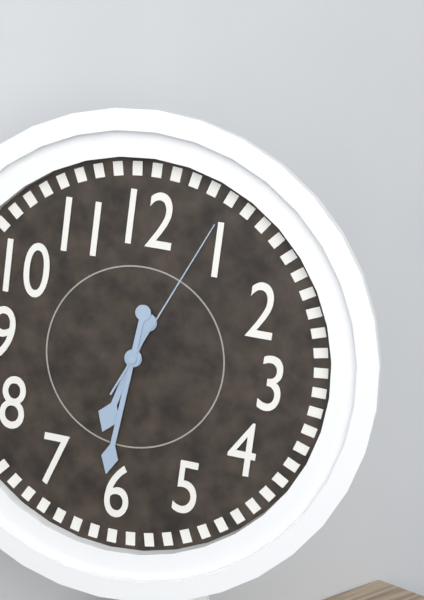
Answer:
6 h 31 min 04 s
